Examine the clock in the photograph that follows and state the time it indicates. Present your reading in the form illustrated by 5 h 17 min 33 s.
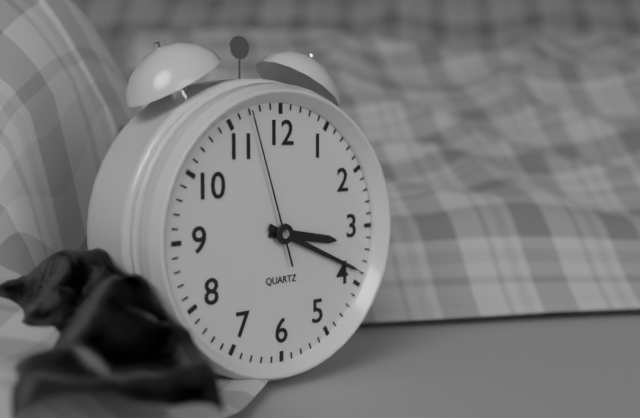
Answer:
3 h 19 min 57 s
